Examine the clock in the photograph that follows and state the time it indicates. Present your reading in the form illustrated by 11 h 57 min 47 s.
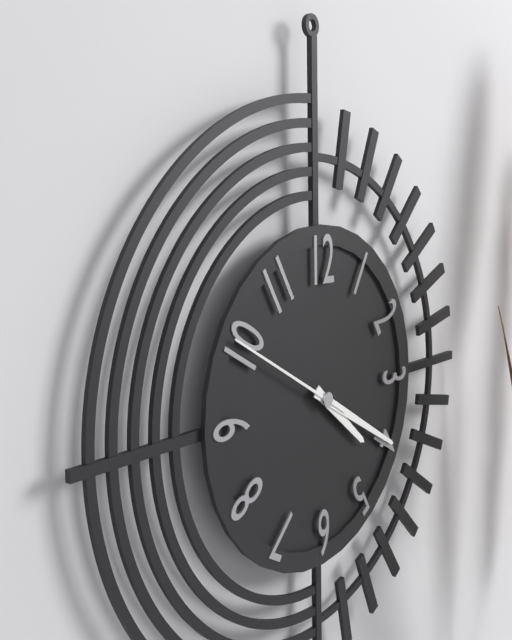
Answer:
4 h 20 min 50 s
